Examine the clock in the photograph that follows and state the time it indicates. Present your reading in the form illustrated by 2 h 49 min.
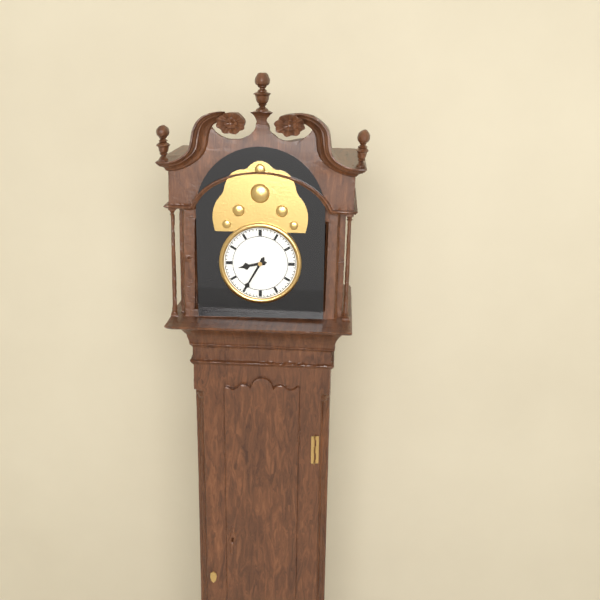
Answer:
8 h 35 min
